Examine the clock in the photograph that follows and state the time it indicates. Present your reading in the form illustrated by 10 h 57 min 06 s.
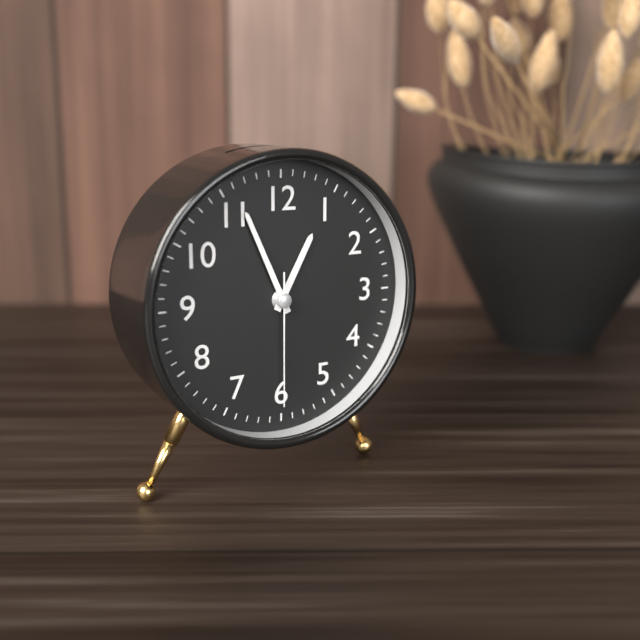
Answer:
12 h 56 min 30 s
